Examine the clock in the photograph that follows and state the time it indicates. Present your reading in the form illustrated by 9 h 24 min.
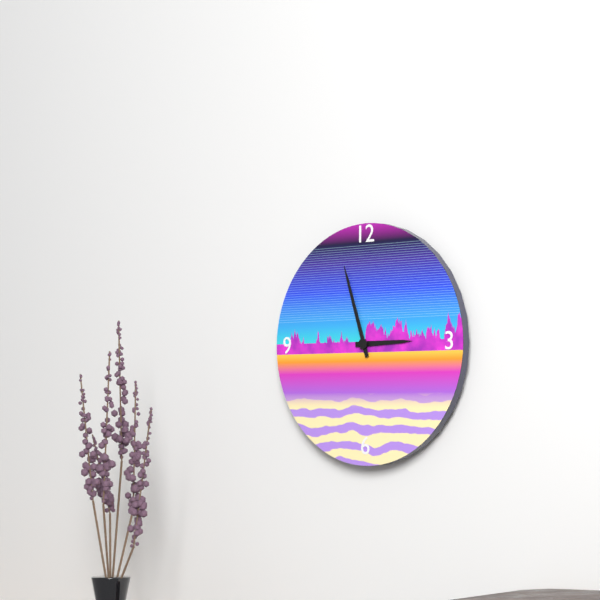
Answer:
2 h 57 min
